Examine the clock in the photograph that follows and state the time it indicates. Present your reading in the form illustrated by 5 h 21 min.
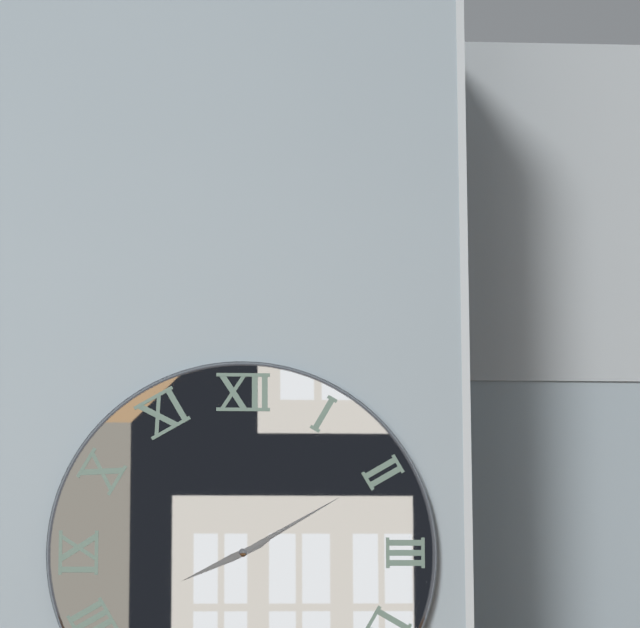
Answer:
8 h 10 min
